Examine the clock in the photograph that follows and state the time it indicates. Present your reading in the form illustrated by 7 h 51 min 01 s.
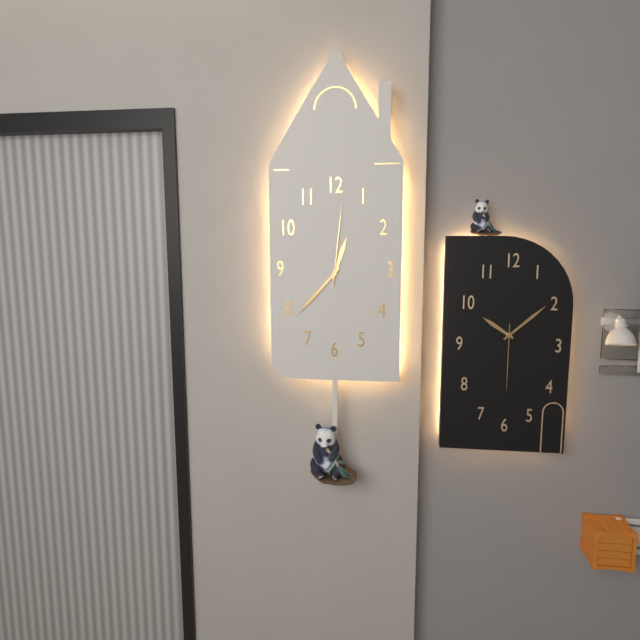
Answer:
12 h 37 min 01 s
